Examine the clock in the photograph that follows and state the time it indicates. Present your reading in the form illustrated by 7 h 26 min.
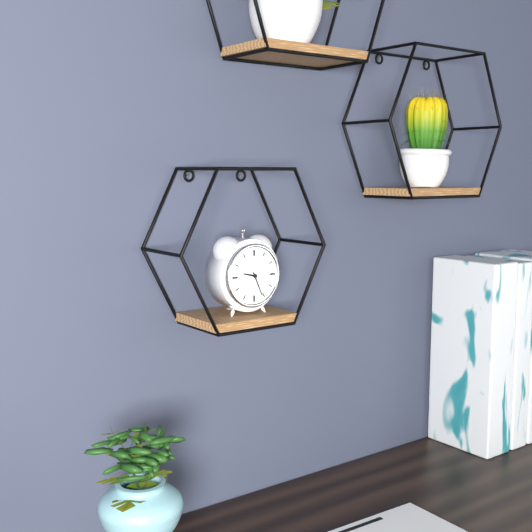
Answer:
9 h 26 min
